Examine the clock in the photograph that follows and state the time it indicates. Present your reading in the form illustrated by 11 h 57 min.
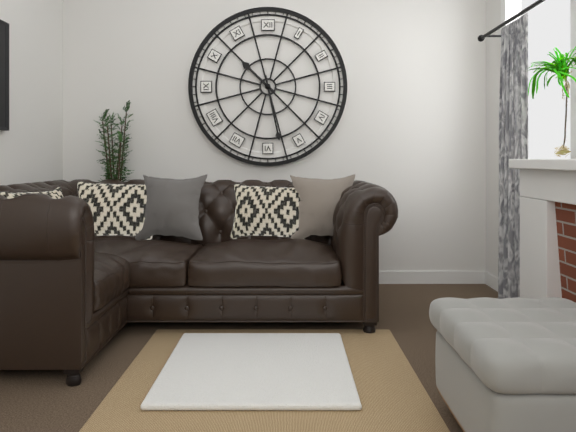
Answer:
10 h 28 min
